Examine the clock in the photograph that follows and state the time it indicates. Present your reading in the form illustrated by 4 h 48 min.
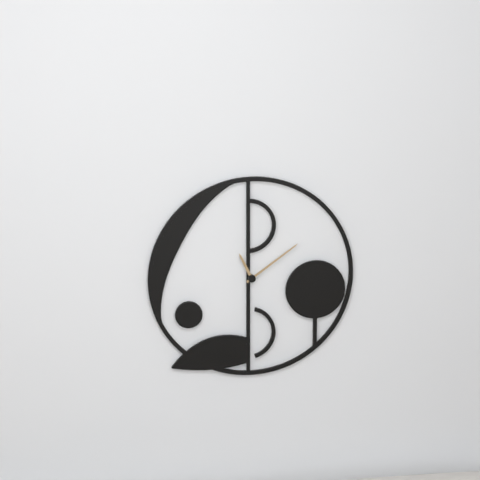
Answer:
11 h 09 min
